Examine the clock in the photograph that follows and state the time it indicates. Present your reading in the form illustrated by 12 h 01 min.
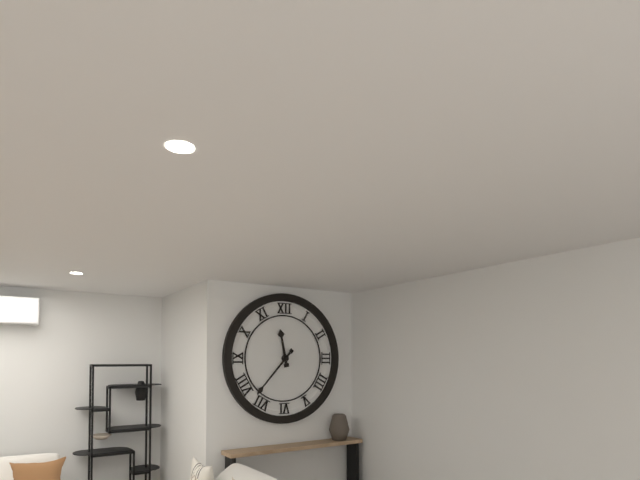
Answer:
11 h 37 min
